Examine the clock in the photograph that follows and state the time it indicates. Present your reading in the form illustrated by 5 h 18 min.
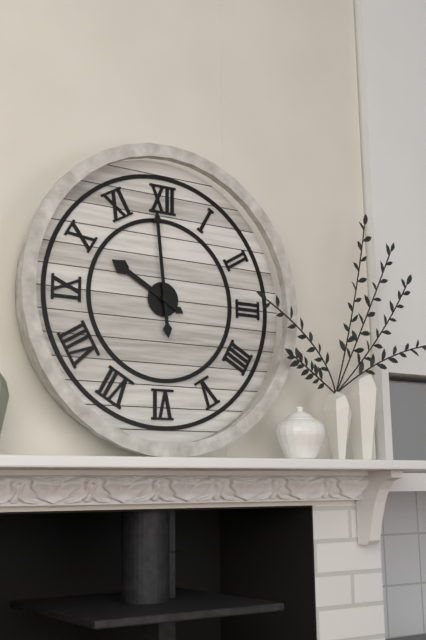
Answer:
9 h 59 min
